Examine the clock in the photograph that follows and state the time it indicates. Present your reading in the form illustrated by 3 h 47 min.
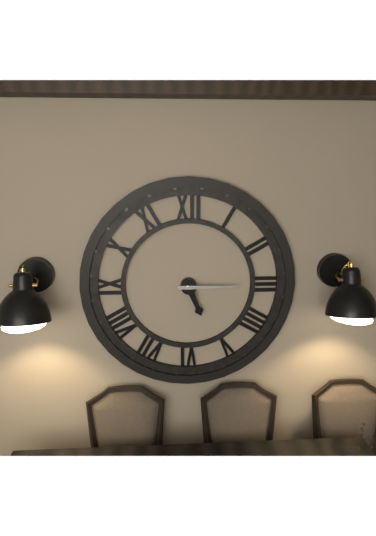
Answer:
5 h 15 min
